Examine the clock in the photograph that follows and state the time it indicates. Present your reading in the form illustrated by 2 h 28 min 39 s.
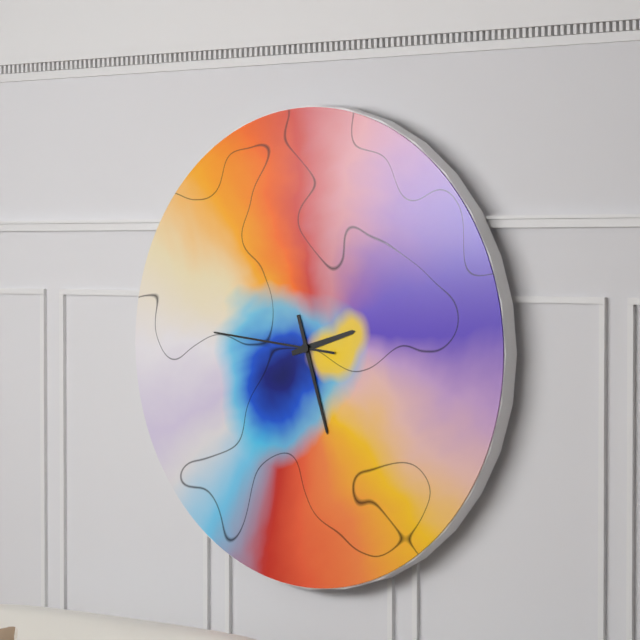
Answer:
2 h 27 min 46 s
